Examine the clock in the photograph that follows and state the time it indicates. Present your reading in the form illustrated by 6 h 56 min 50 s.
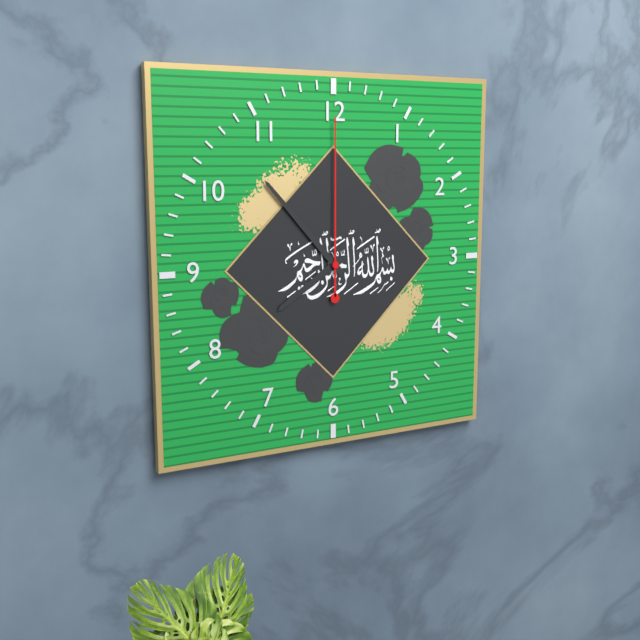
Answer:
7 h 53 min 00 s
